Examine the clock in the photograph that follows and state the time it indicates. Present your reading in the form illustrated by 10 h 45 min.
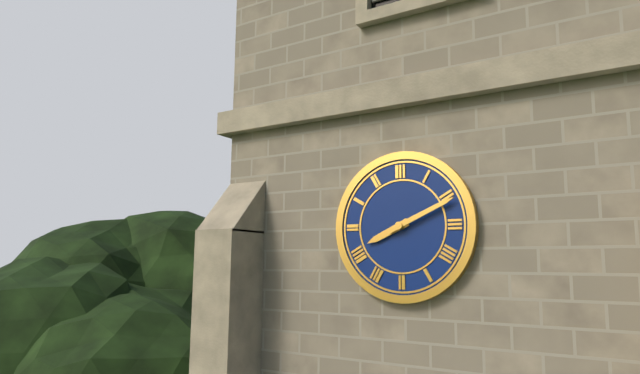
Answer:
8 h 11 min
